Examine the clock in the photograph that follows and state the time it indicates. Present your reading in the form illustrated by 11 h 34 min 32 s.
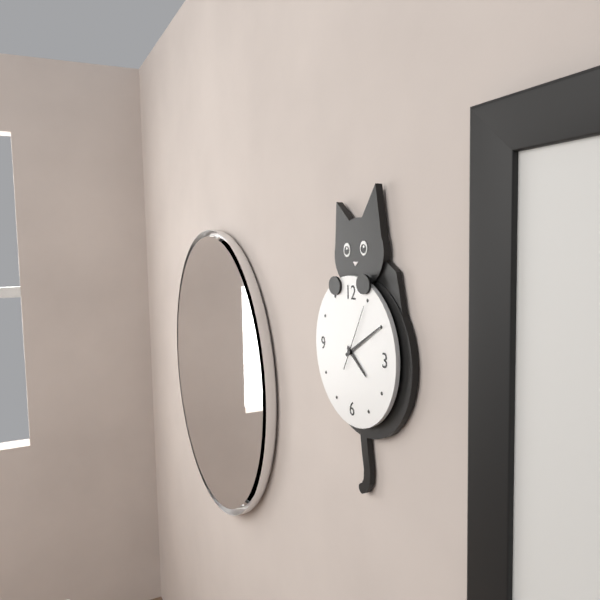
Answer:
4 h 10 min 05 s
